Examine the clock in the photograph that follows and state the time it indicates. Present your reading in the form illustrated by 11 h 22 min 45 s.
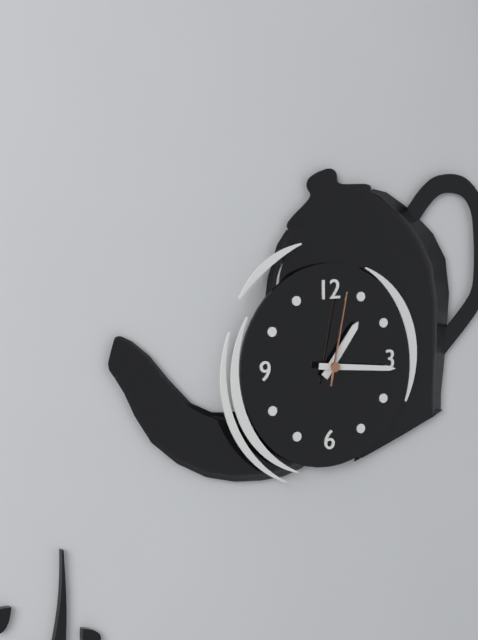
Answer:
1 h 16 min 02 s
